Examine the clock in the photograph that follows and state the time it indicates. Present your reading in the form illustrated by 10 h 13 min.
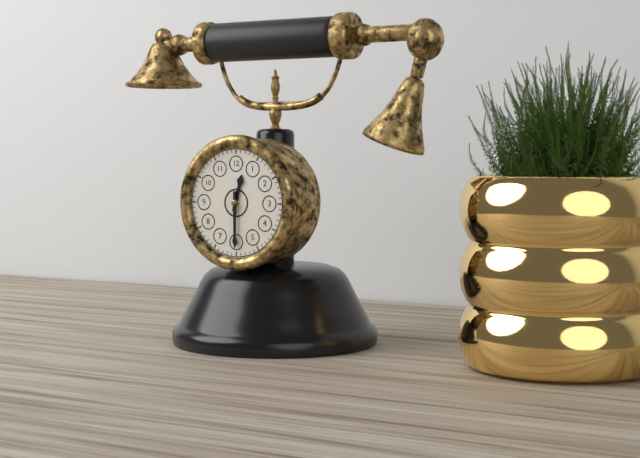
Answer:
12 h 30 min
